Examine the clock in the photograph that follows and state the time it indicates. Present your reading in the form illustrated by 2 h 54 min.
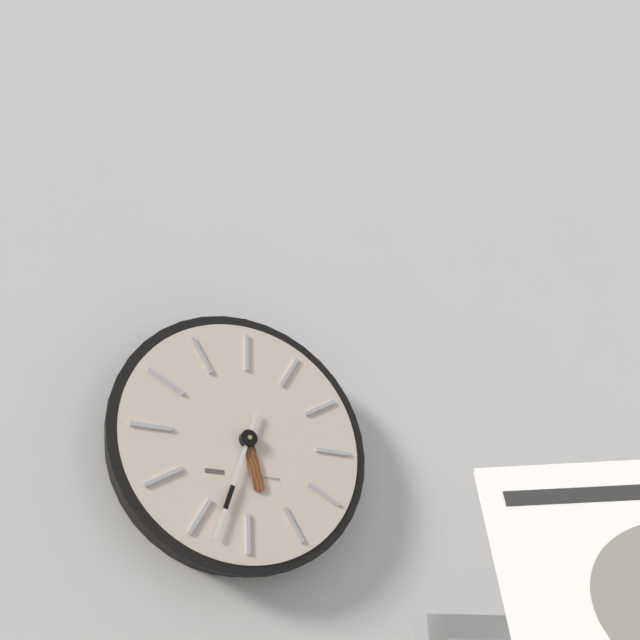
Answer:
5 h 33 min
